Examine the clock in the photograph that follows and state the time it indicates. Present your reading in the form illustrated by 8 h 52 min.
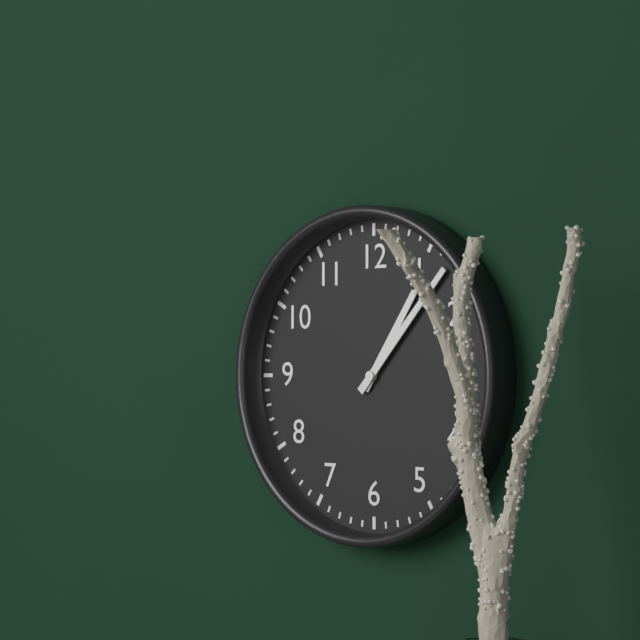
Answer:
1 h 07 min
